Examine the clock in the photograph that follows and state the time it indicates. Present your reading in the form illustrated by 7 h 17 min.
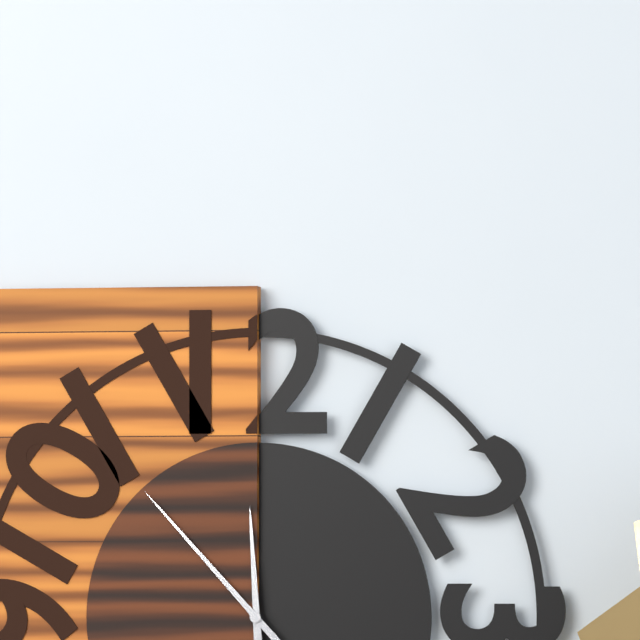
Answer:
11 h 53 min
